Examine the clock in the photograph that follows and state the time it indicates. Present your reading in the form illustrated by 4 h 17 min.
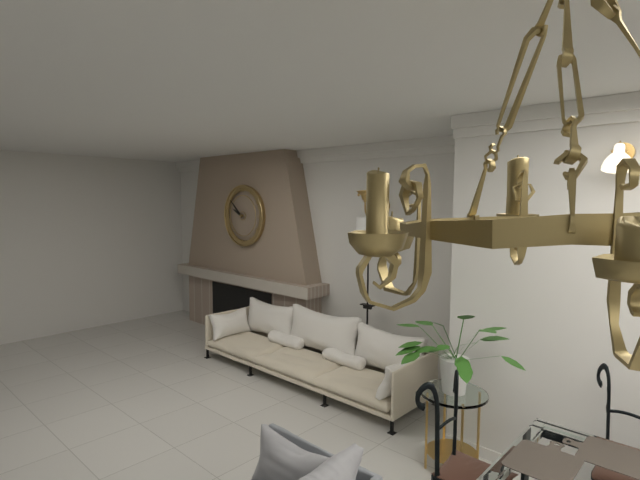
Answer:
9 h 52 min
